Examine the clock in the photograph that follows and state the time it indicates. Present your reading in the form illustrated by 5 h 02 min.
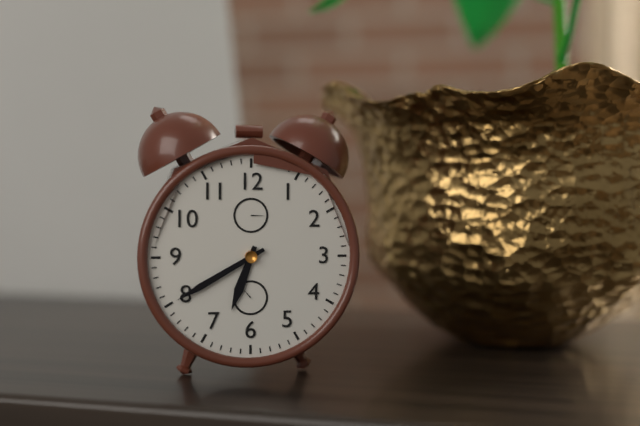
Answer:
6 h 40 min
